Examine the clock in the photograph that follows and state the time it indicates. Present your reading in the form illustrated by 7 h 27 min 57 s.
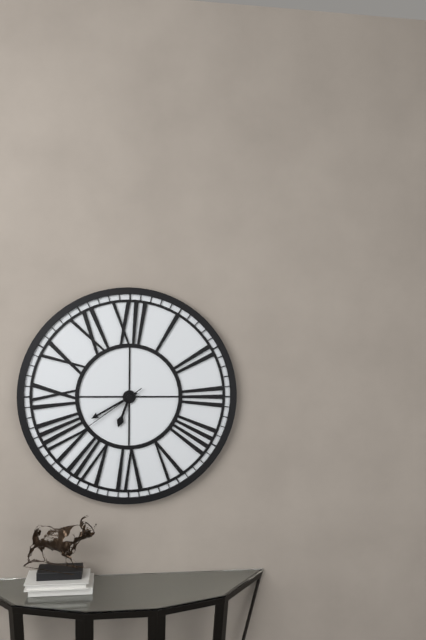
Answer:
6 h 40 min 39 s
